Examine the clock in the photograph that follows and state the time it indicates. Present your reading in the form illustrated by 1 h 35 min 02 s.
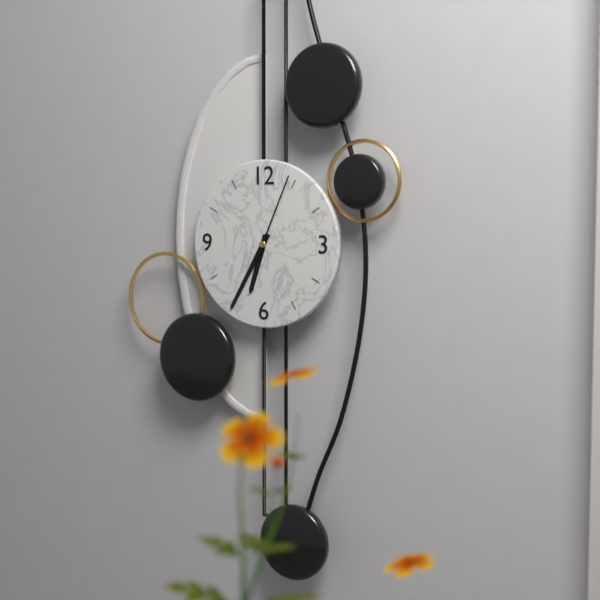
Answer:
6 h 35 min 04 s
